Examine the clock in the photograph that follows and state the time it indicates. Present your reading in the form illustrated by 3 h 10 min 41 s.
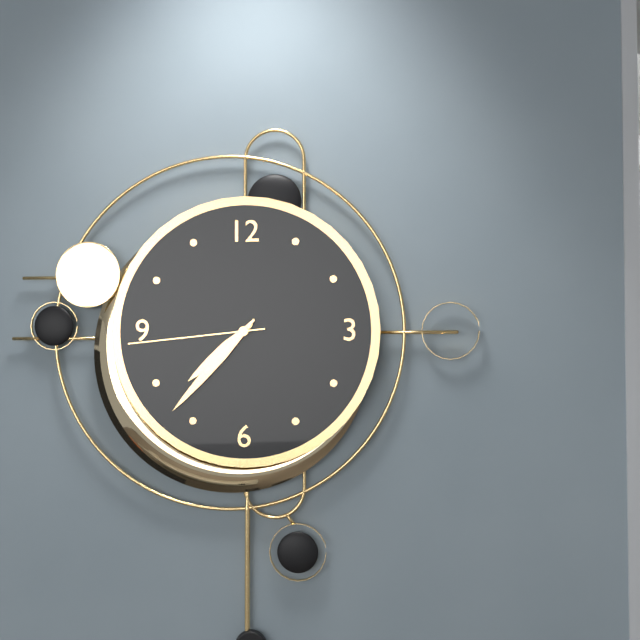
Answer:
7 h 37 min 44 s
